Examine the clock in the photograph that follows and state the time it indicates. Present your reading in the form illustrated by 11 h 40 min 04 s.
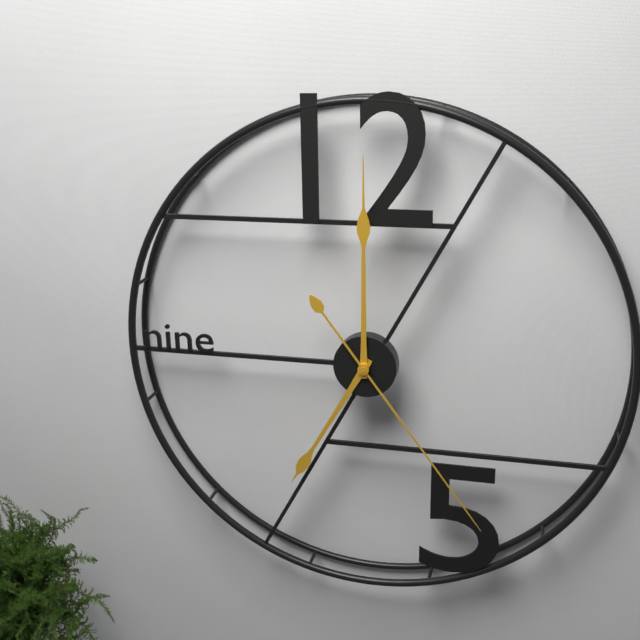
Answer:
7 h 00 min 24 s
